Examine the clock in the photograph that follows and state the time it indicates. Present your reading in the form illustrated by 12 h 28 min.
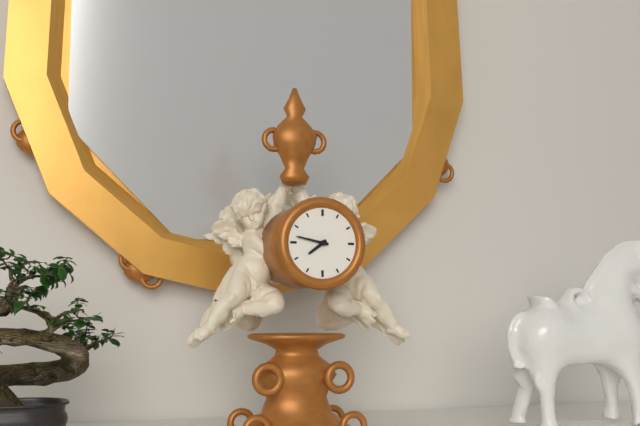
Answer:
7 h 47 min
